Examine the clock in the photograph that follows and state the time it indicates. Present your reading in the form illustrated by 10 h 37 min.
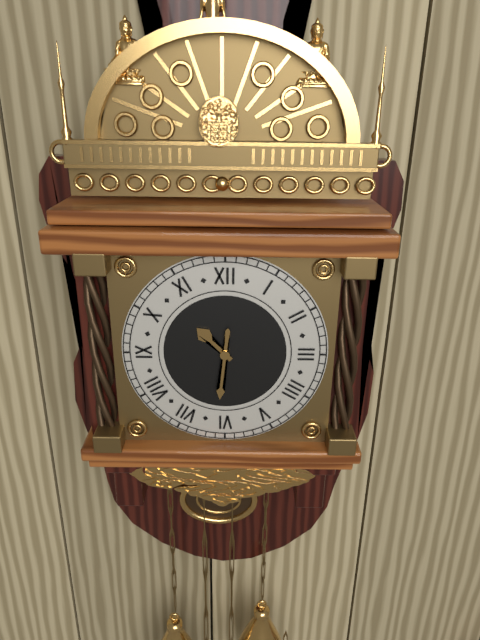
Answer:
10 h 31 min
